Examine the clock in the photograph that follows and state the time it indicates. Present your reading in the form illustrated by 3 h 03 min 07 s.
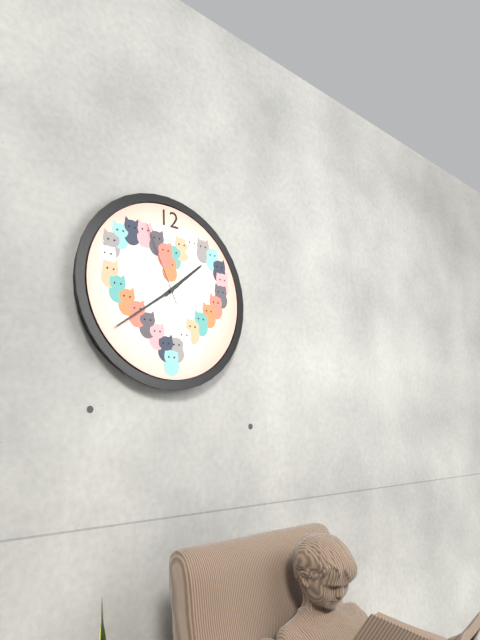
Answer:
1 h 39 min 56 s
